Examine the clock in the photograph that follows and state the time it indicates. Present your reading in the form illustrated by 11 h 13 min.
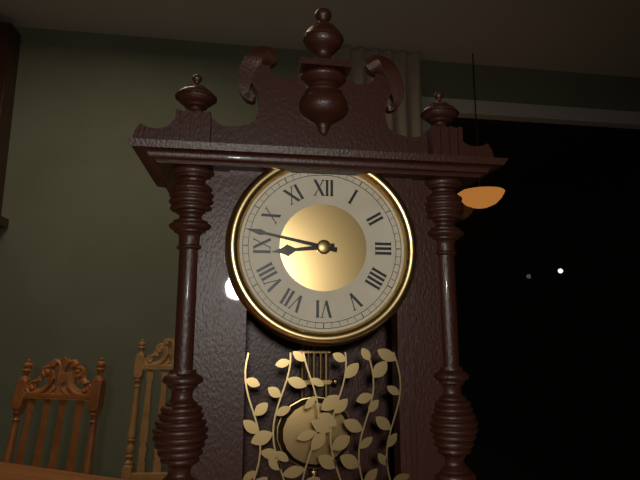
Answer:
8 h 47 min
